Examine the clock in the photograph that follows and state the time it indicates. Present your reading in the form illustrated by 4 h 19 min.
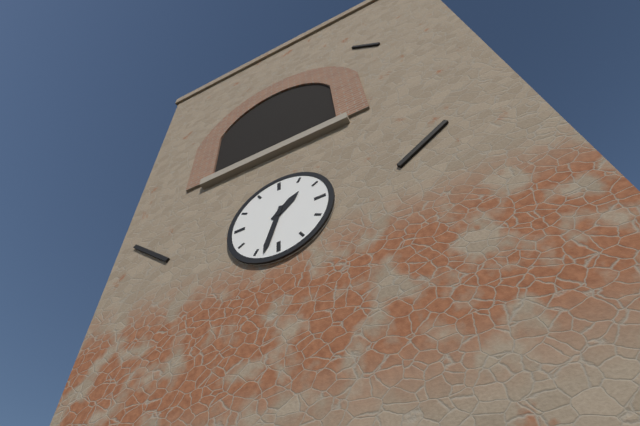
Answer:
1 h 33 min
